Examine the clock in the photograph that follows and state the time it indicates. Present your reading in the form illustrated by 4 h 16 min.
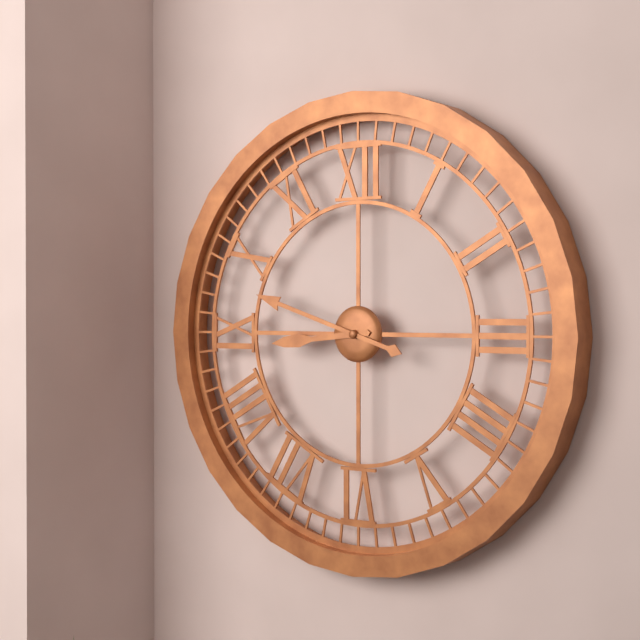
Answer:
8 h 48 min
